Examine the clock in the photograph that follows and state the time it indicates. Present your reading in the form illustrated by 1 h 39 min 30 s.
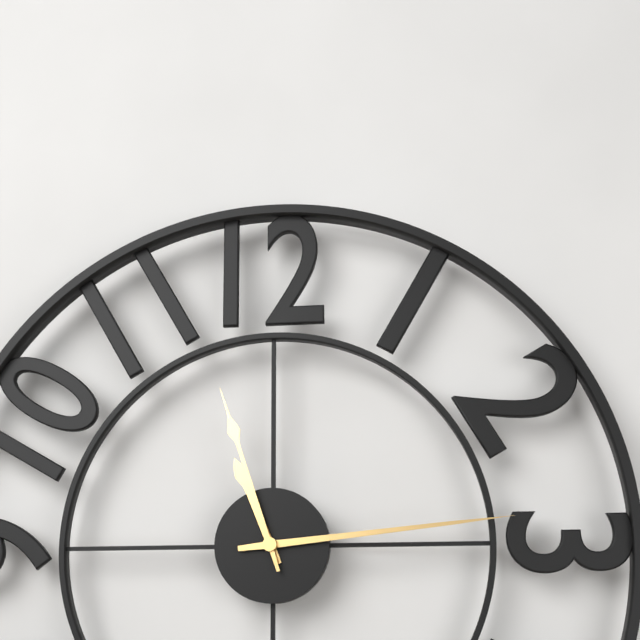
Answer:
11 h 14 min 57 s
